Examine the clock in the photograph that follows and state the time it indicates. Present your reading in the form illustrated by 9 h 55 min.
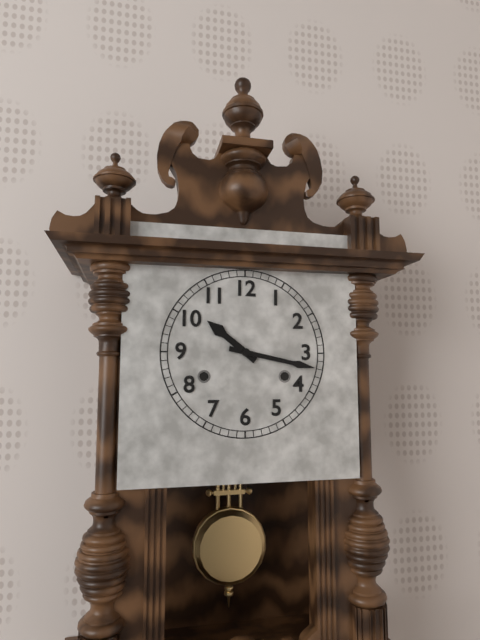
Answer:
10 h 17 min
